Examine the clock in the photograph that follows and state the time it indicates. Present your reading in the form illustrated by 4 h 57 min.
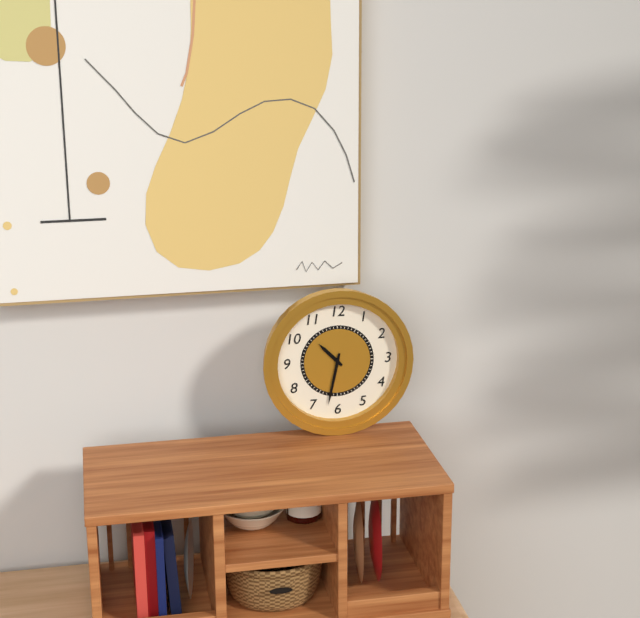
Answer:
10 h 32 min
